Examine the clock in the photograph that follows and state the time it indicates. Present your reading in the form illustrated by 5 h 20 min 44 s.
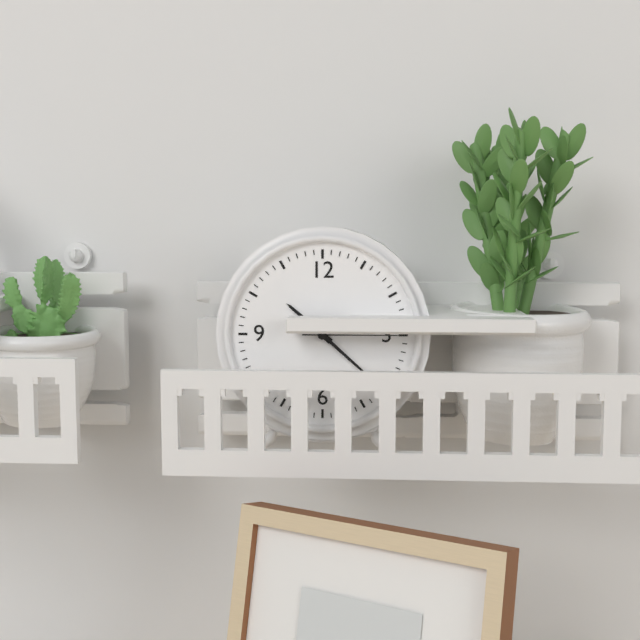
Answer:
10 h 22 min 15 s
